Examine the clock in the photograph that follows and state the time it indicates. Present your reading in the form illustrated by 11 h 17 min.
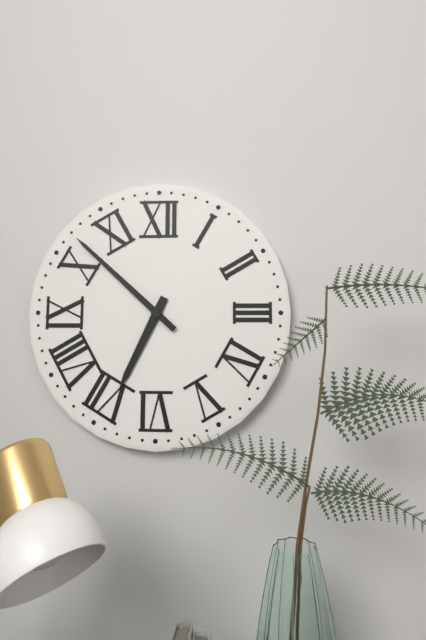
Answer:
6 h 52 min
